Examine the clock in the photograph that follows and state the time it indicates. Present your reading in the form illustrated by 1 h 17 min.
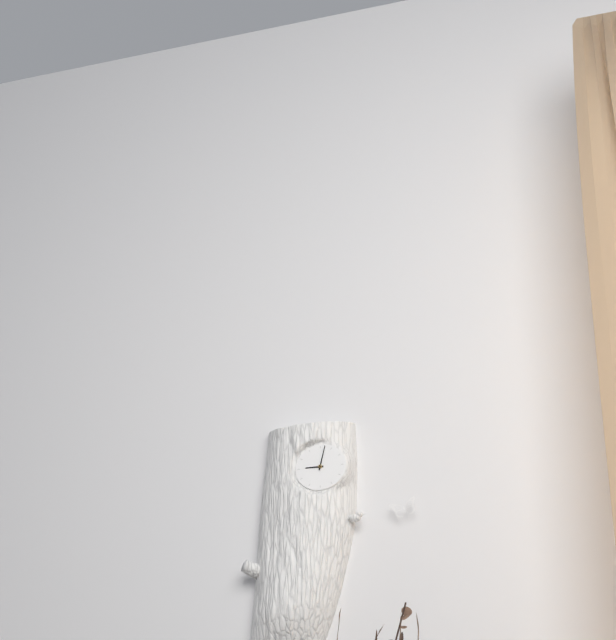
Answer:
9 h 02 min
